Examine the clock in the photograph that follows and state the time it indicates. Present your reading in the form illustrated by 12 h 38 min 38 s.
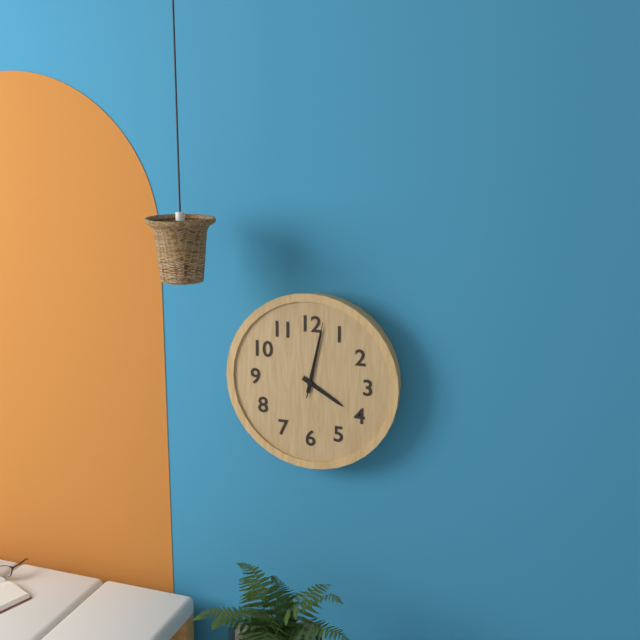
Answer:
4 h 02 min 02 s
